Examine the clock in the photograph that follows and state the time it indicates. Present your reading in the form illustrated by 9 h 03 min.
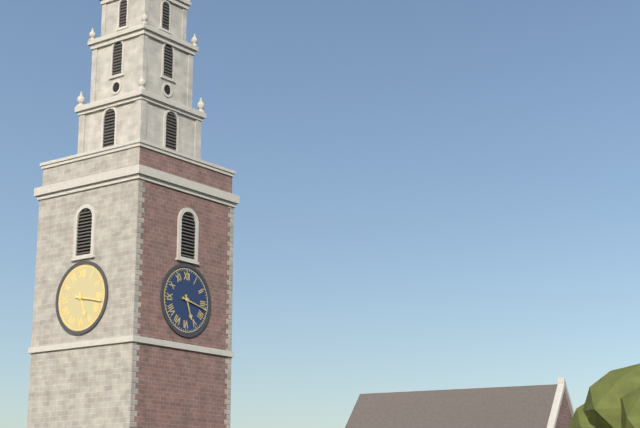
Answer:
5 h 17 min
